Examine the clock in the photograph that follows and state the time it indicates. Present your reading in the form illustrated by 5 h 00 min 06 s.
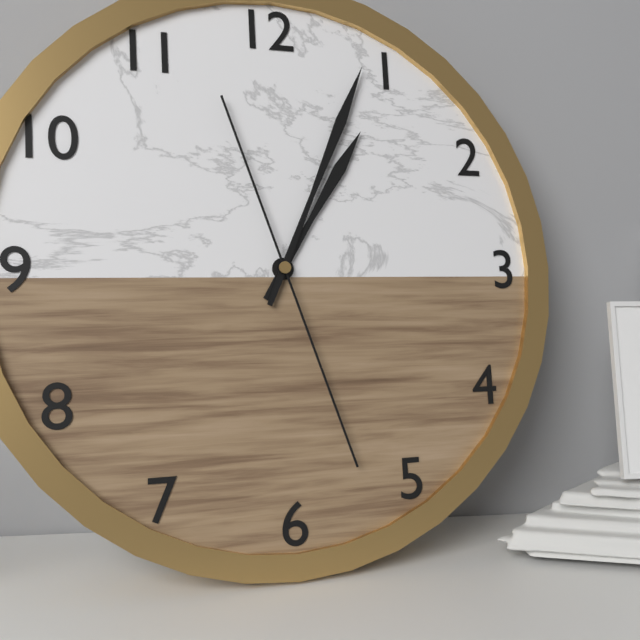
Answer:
1 h 04 min 27 s
